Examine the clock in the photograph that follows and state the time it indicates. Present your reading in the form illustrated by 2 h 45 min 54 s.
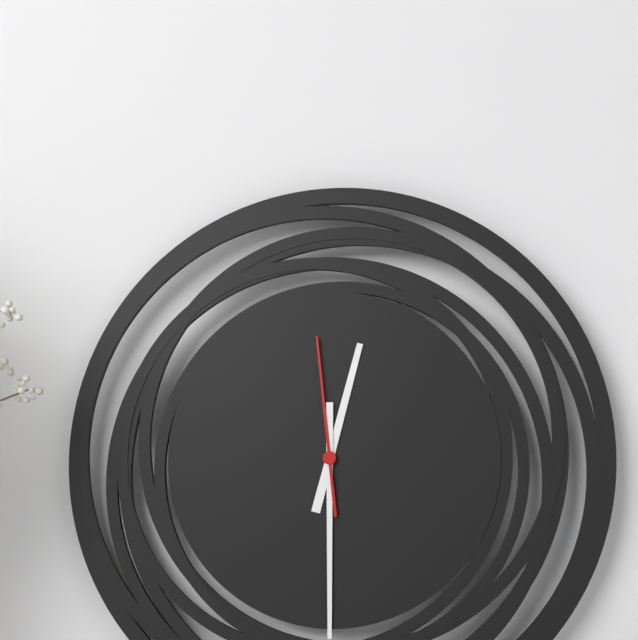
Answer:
12 h 30 min 59 s
